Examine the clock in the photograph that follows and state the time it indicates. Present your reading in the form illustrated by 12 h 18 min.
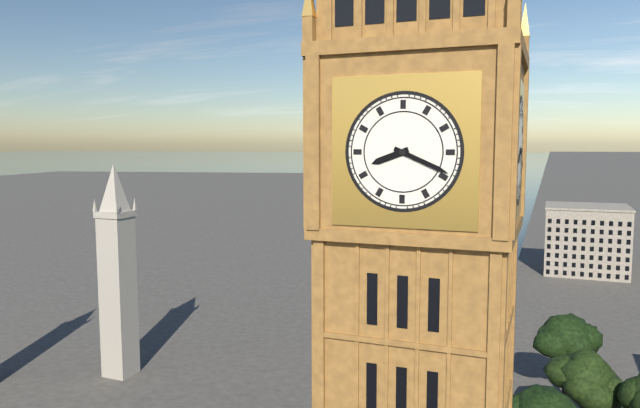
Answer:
8 h 19 min
